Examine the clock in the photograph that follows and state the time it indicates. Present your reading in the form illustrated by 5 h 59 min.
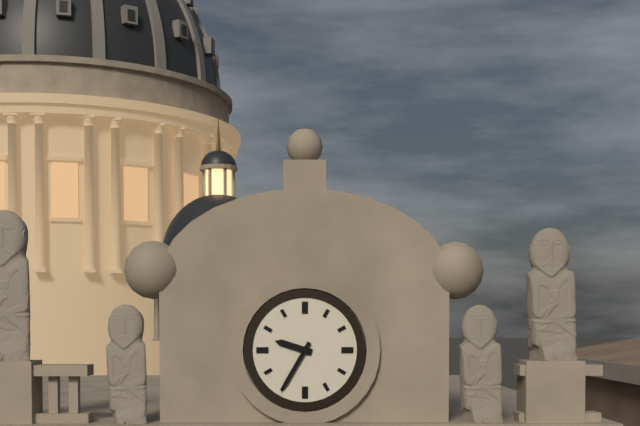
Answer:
9 h 35 min
